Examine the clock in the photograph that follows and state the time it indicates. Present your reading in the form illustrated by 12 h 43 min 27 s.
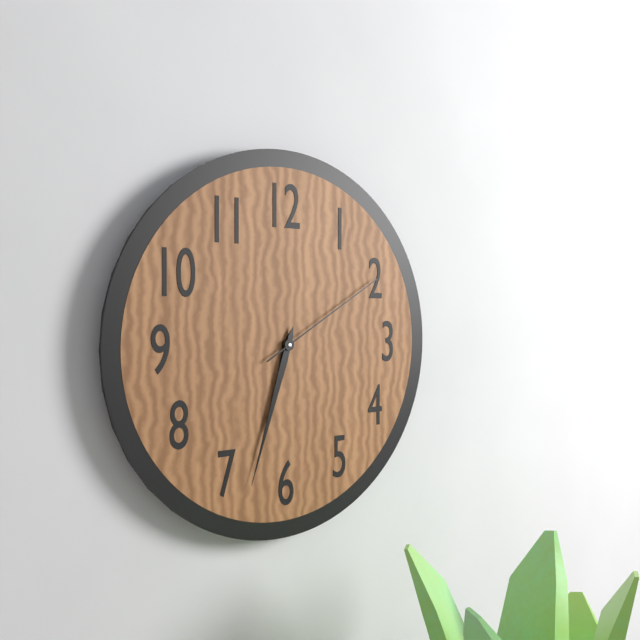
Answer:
6 h 33 min 10 s
